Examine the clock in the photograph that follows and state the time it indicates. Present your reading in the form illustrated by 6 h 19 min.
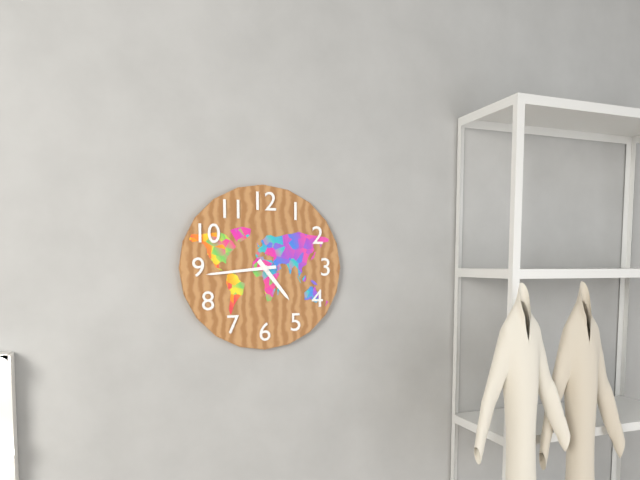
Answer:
4 h 44 min
